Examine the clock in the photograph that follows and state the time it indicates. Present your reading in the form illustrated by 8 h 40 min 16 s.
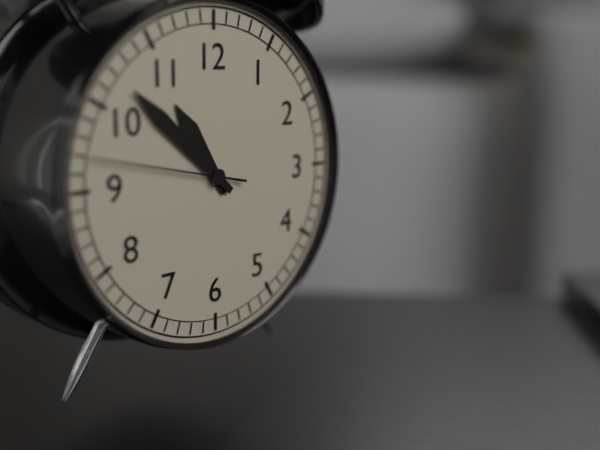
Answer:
10 h 52 min 47 s
